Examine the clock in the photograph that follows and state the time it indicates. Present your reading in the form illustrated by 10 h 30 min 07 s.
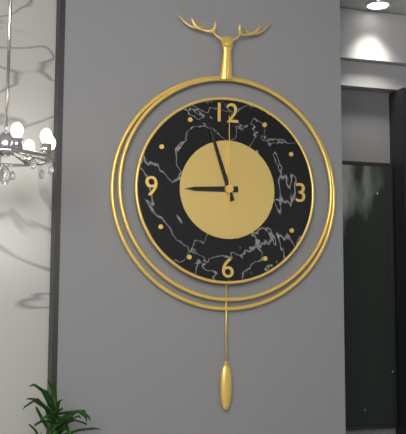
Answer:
8 h 57 min 00 s
